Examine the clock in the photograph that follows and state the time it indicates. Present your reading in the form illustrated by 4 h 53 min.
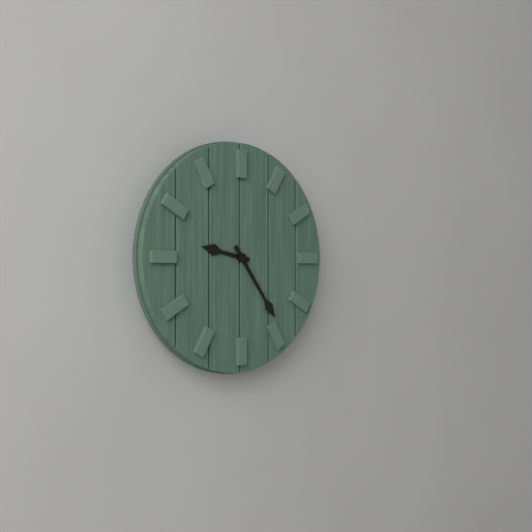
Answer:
9 h 24 min
